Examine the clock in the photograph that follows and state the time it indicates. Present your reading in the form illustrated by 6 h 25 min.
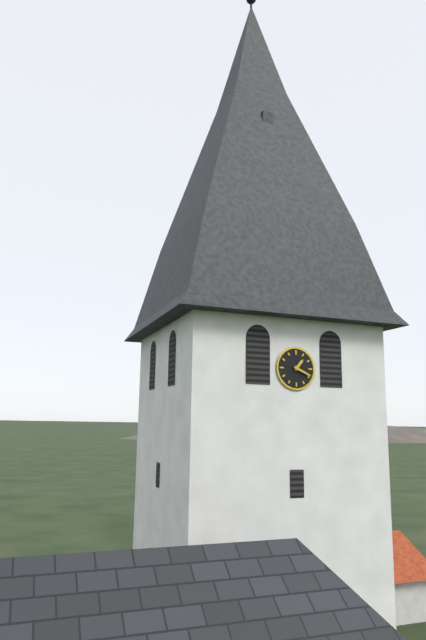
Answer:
1 h 19 min
